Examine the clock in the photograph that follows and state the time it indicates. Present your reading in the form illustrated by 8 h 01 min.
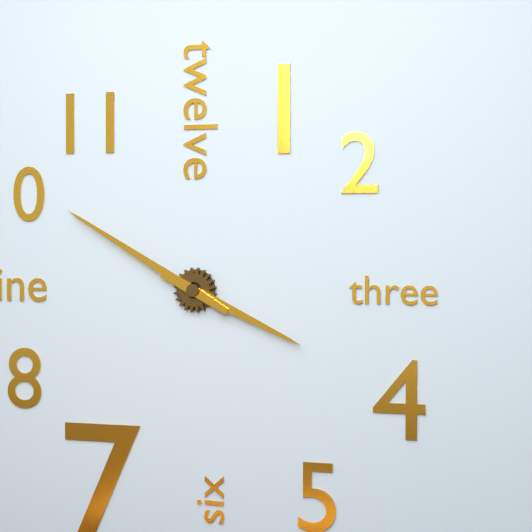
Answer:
3 h 50 min
